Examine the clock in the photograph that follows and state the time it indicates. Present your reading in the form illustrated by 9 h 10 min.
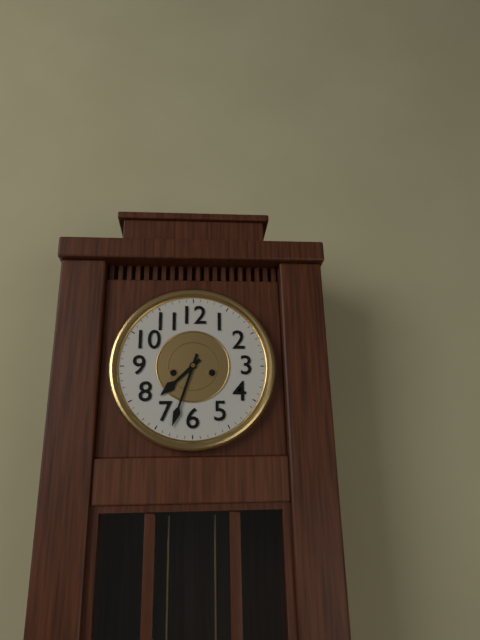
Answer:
7 h 33 min
